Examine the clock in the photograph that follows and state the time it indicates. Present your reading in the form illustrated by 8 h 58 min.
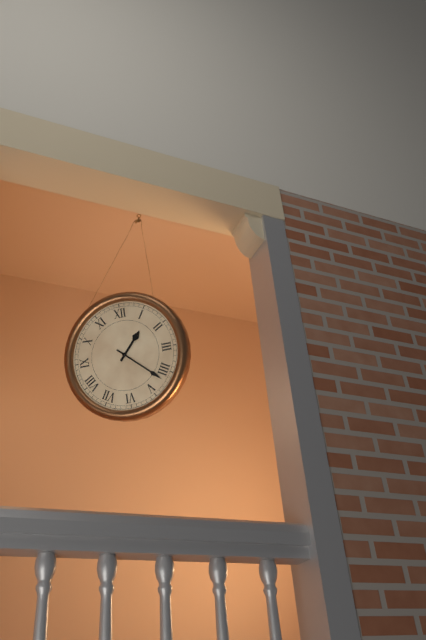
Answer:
1 h 22 min
